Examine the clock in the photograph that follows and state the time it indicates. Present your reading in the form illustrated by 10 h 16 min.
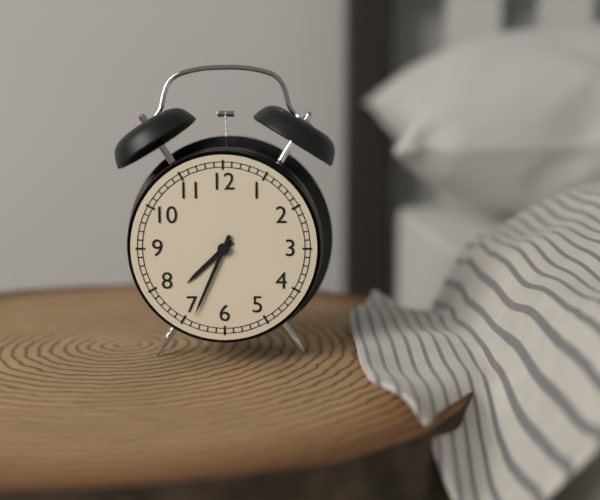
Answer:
7 h 34 min
